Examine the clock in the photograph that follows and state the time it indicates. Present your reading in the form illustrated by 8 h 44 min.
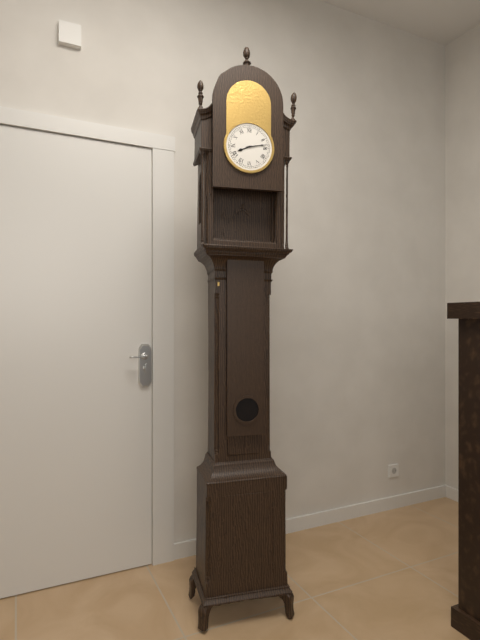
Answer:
8 h 13 min
